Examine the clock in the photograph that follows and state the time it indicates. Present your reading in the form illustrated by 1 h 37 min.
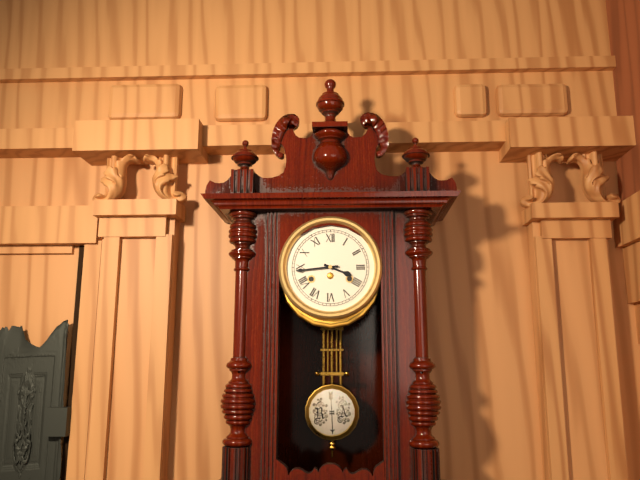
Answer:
3 h 44 min
